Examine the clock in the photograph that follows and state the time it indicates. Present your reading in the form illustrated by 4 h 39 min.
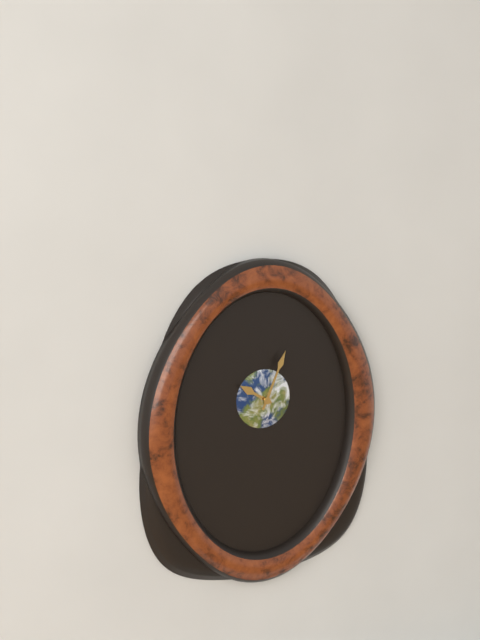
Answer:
10 h 04 min
